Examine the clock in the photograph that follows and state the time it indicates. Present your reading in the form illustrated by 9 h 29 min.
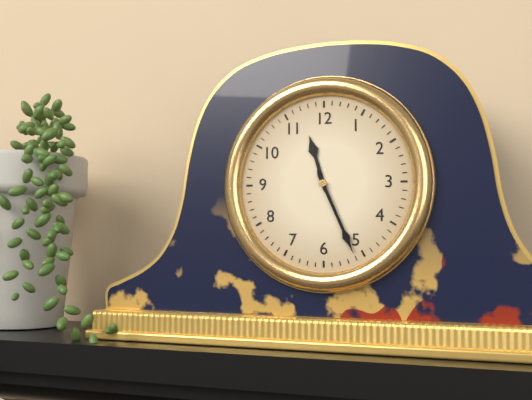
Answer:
11 h 26 min
